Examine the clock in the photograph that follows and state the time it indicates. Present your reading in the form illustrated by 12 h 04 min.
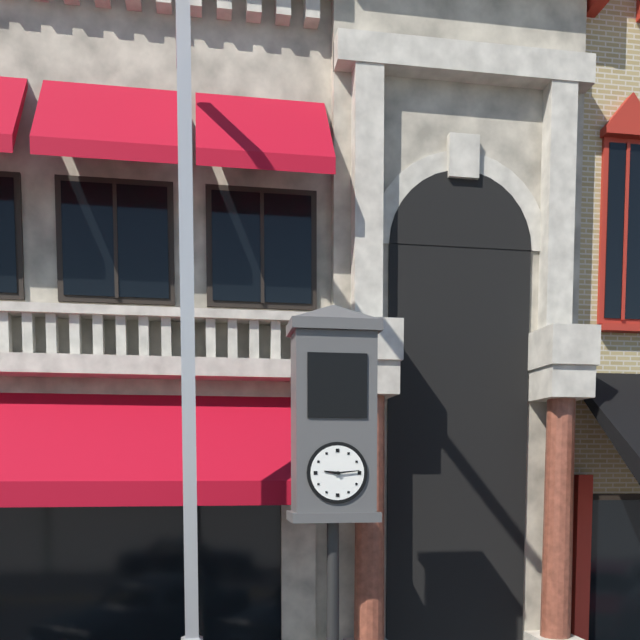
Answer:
9 h 14 min
